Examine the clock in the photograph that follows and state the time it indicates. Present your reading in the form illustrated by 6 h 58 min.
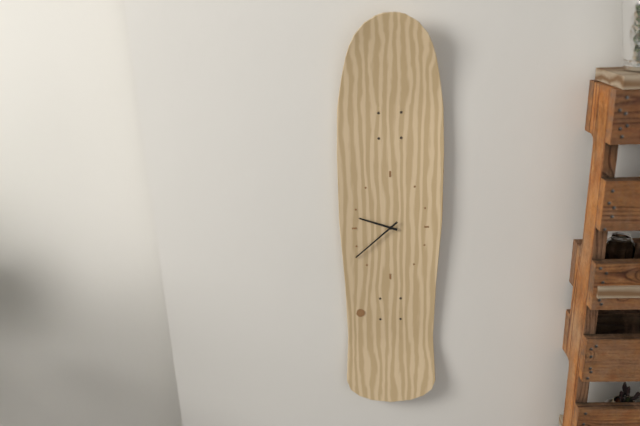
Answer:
9 h 38 min
